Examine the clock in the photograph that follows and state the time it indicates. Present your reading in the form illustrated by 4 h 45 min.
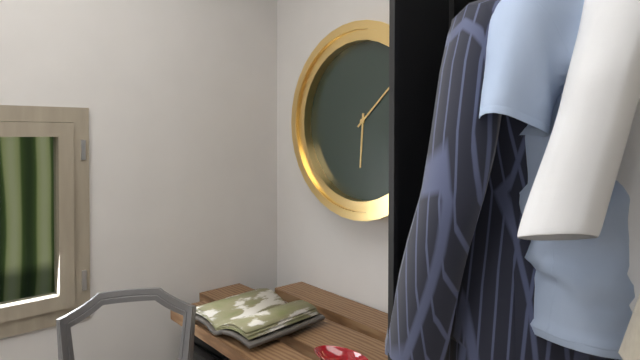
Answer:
6 h 08 min
